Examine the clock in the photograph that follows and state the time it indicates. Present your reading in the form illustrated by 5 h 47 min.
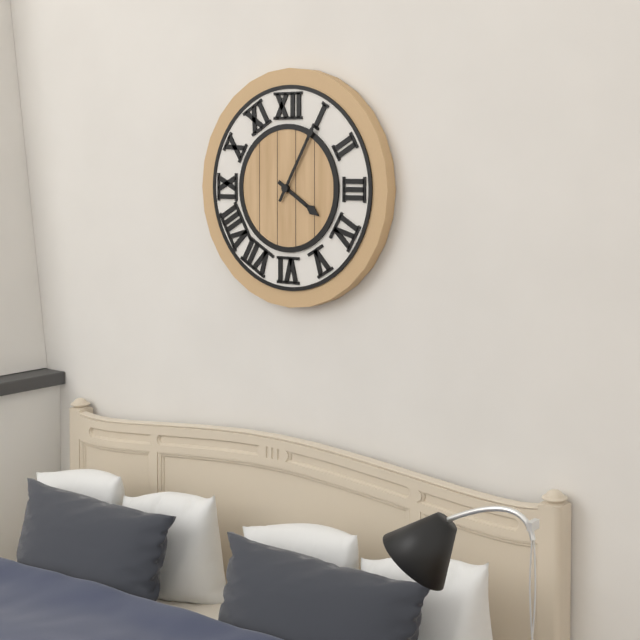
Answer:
4 h 05 min
